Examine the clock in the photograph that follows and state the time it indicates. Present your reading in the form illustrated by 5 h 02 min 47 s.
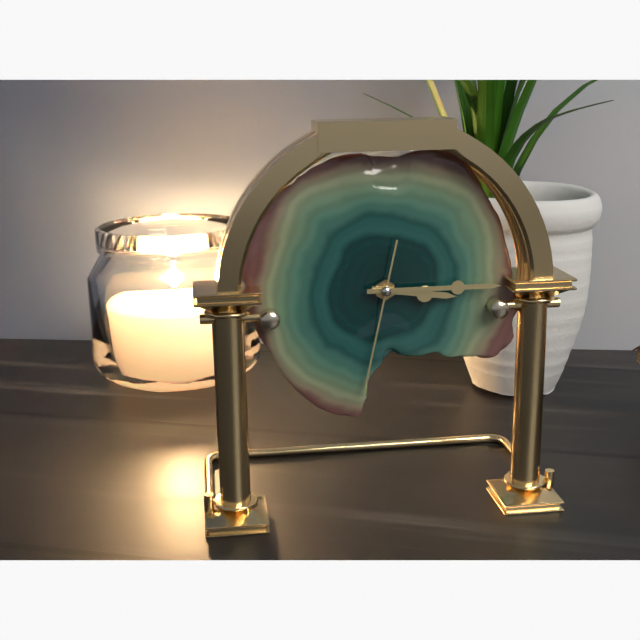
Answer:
3 h 15 min 32 s
